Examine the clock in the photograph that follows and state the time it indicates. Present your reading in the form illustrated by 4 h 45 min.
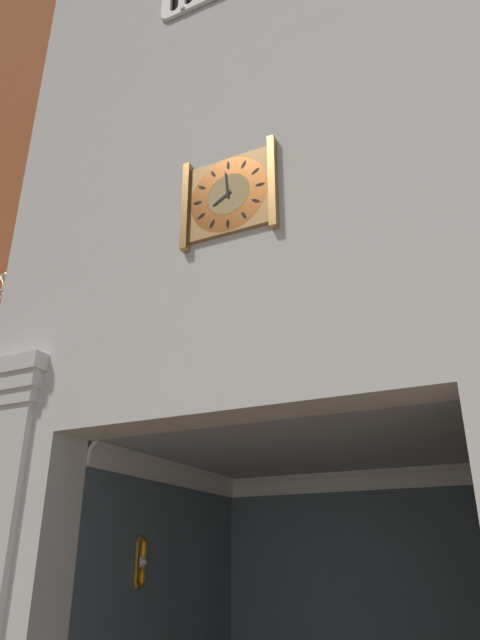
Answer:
7 h 59 min
